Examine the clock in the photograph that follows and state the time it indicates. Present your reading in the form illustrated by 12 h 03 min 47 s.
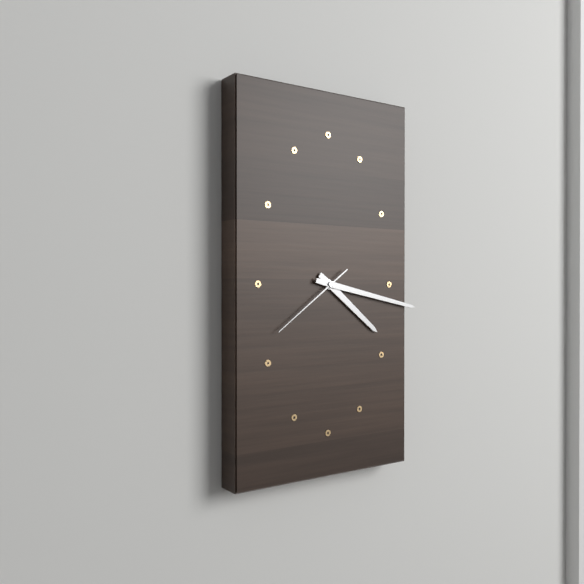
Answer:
4 h 17 min 39 s
